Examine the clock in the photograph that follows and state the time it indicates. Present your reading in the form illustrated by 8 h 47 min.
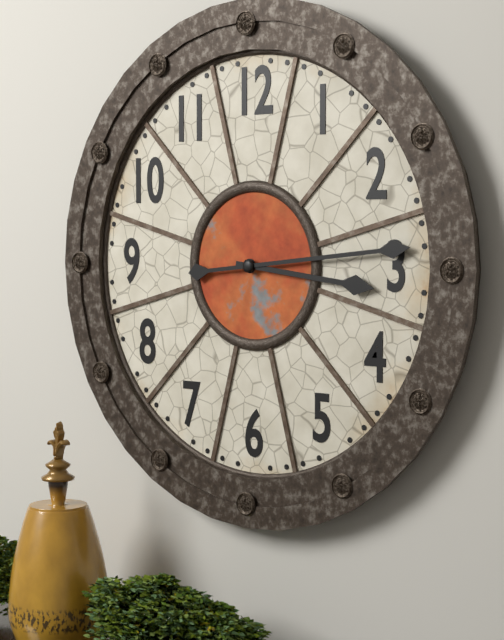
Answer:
3 h 14 min
